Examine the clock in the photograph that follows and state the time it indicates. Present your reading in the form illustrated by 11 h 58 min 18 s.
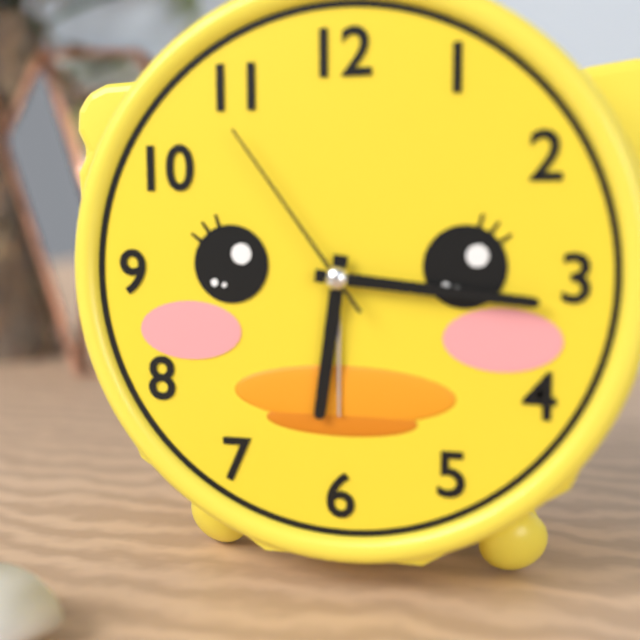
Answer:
6 h 16 min 54 s
